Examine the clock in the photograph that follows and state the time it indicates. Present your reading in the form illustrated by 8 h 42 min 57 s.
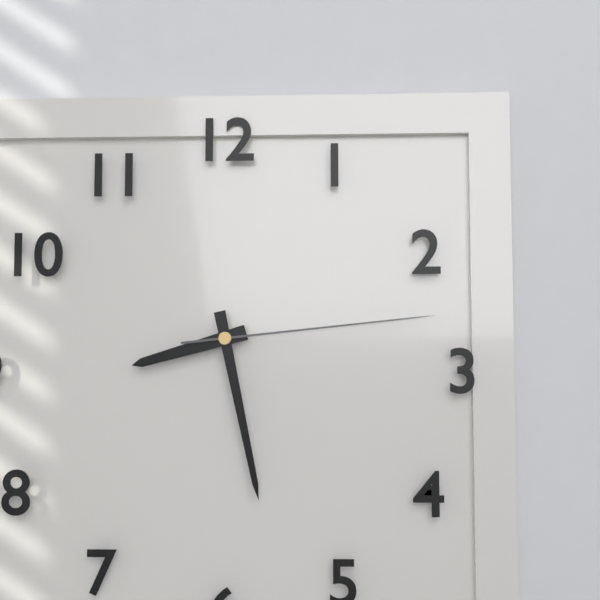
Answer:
8 h 28 min 14 s
